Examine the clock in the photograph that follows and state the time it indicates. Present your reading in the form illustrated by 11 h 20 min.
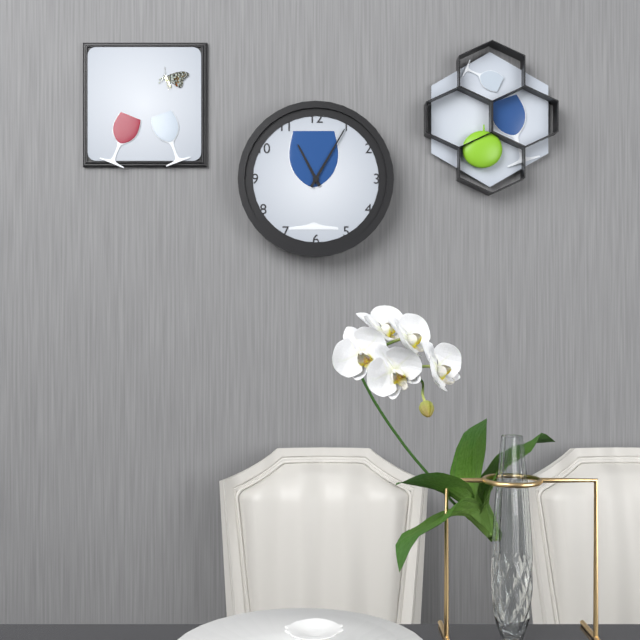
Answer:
11 h 05 min
